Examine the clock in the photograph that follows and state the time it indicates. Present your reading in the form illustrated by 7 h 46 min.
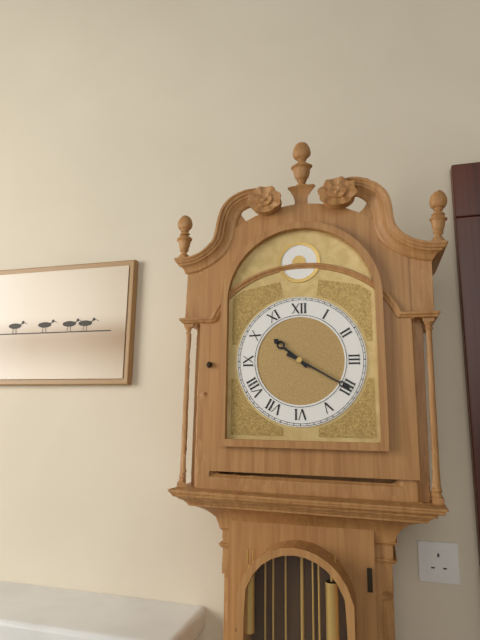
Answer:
10 h 20 min
